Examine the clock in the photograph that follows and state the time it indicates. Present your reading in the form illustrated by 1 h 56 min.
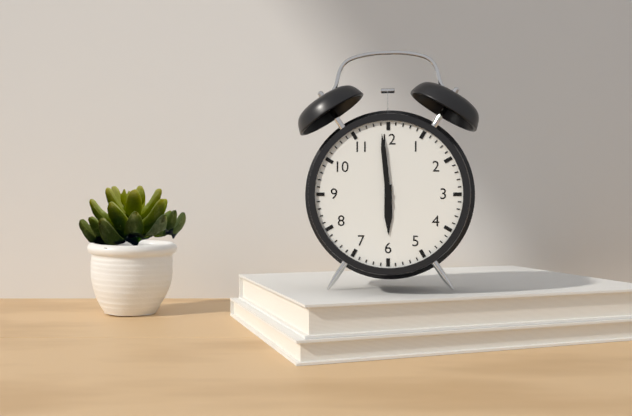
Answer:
5 h 59 min
